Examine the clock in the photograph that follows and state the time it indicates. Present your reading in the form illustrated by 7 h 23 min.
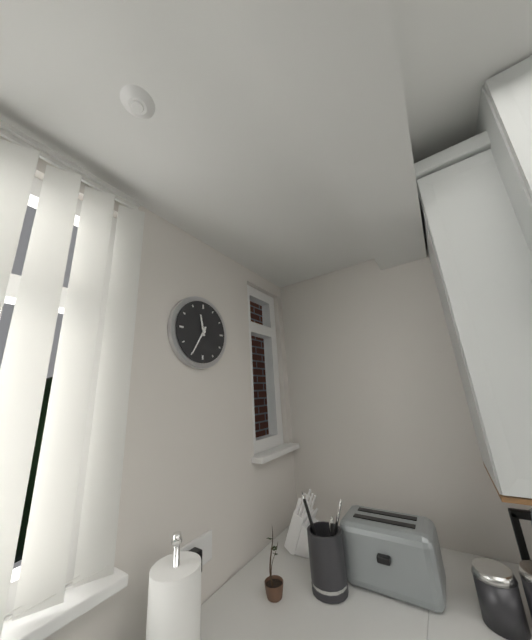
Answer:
11 h 35 min
